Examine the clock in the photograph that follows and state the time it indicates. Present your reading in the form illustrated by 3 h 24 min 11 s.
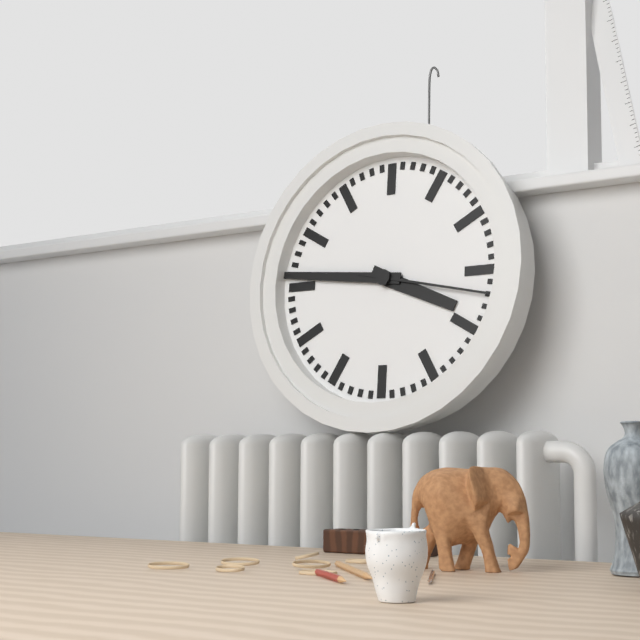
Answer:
3 h 46 min 17 s
